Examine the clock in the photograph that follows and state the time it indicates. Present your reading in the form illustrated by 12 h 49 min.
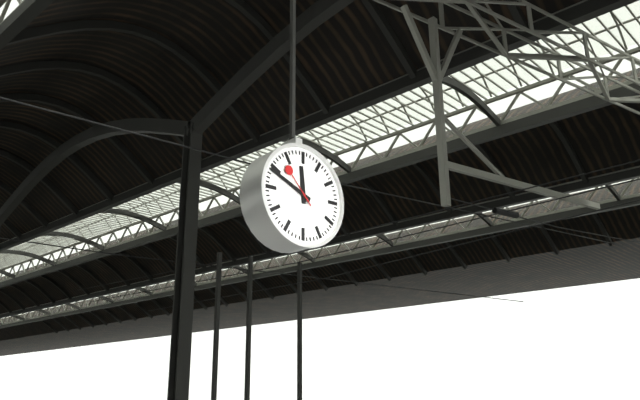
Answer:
11 h 49 min
